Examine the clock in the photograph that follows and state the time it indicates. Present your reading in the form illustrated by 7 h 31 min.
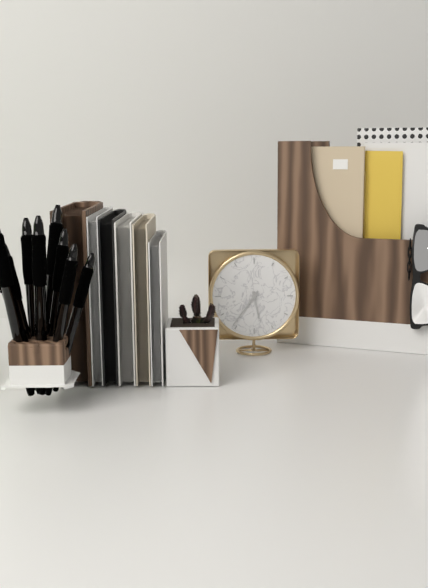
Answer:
5 h 36 min
